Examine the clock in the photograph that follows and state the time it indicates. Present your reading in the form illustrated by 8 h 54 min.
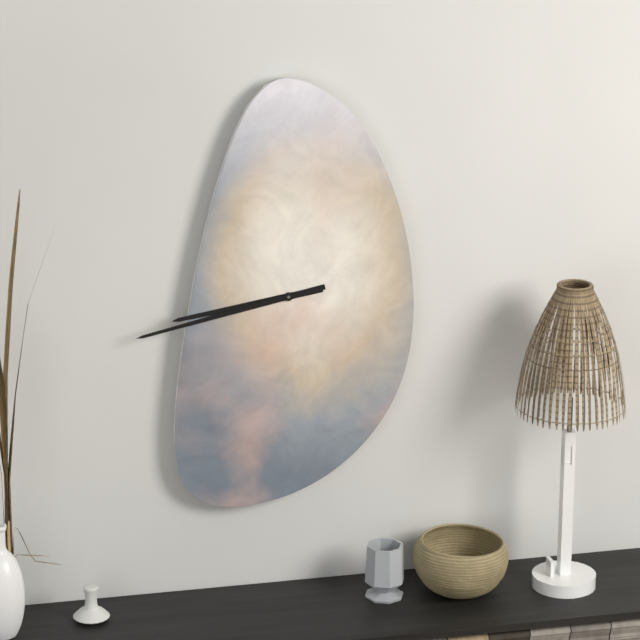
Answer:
8 h 43 min
